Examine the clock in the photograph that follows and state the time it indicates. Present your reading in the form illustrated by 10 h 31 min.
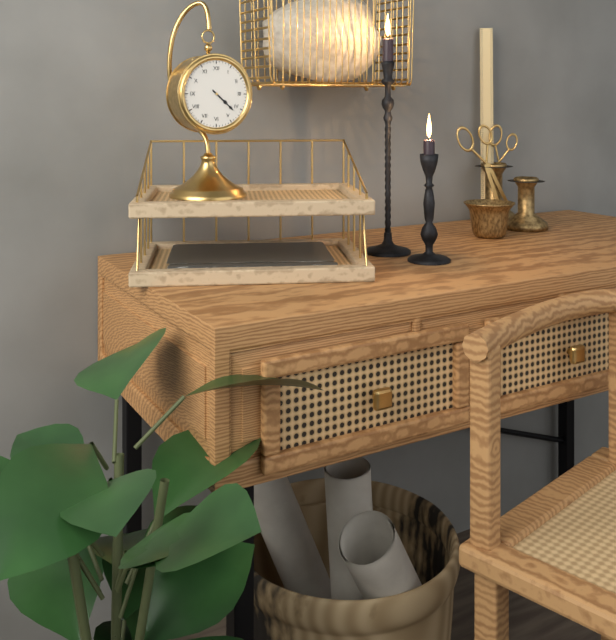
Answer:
4 h 22 min
